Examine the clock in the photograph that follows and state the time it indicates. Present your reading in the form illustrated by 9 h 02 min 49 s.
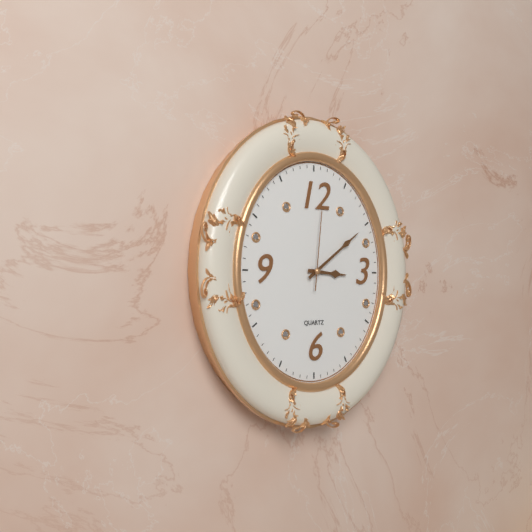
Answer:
3 h 09 min 01 s
